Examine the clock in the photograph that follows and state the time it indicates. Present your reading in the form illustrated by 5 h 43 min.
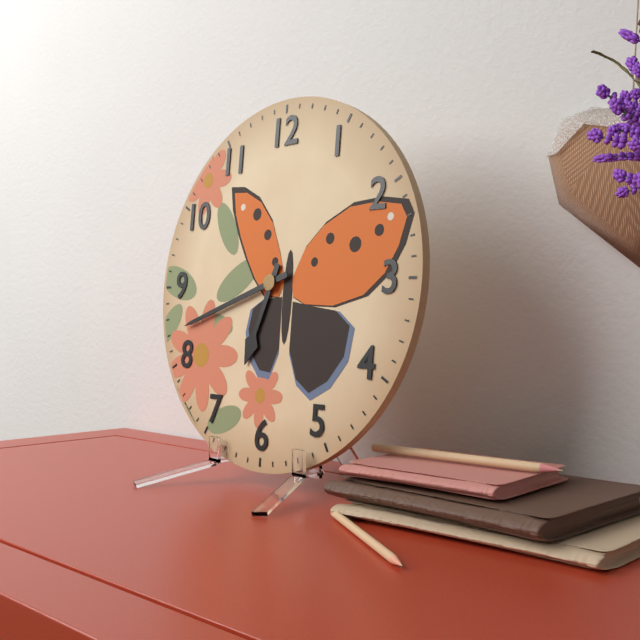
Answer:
6 h 42 min
